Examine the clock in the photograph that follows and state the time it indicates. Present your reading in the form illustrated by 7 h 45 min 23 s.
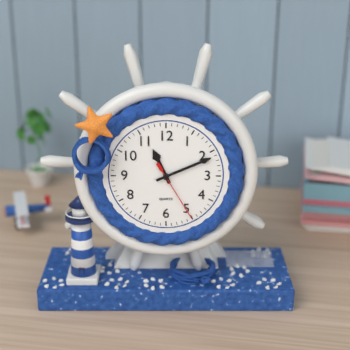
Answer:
11 h 11 min 25 s
